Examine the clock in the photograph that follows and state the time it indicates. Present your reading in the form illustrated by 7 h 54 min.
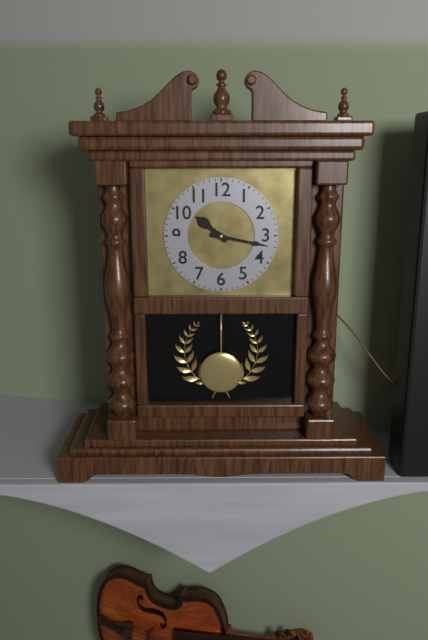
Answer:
10 h 17 min
